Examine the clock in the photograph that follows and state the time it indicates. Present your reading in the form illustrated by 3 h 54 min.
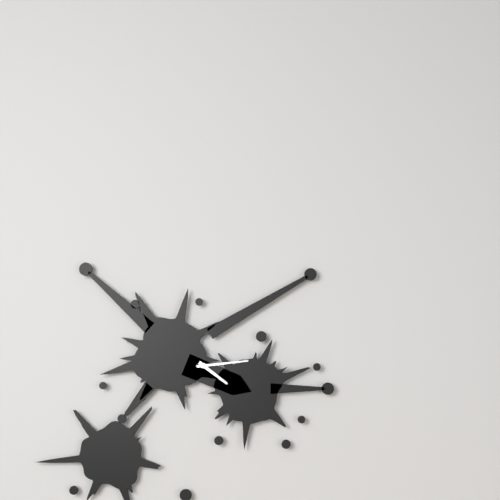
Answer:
4 h 14 min
